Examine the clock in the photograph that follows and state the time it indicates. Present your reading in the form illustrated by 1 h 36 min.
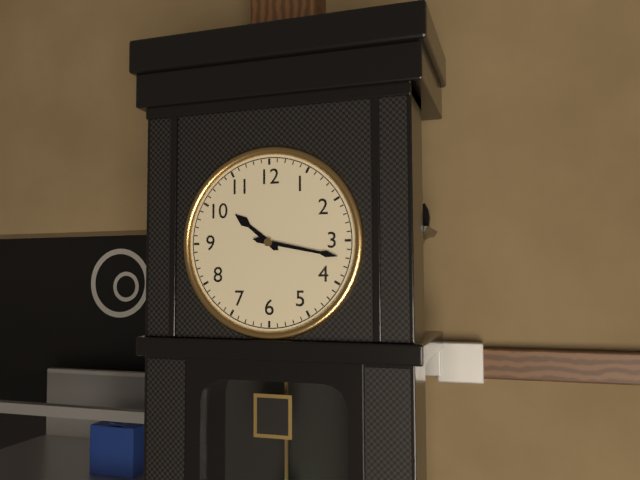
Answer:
10 h 17 min
